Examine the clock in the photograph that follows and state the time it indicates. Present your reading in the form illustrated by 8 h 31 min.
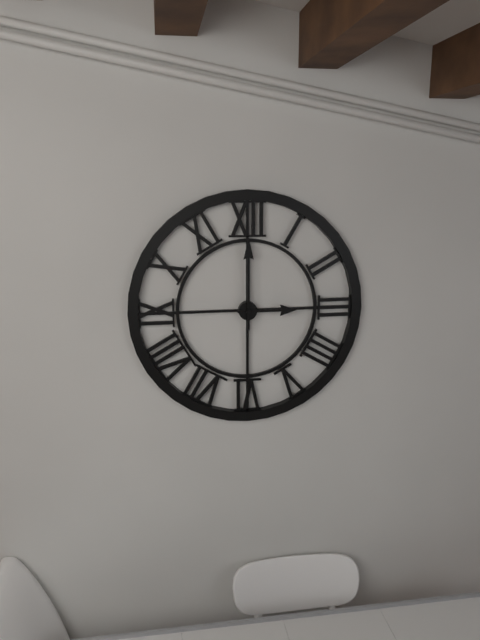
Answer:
3 h 00 min
